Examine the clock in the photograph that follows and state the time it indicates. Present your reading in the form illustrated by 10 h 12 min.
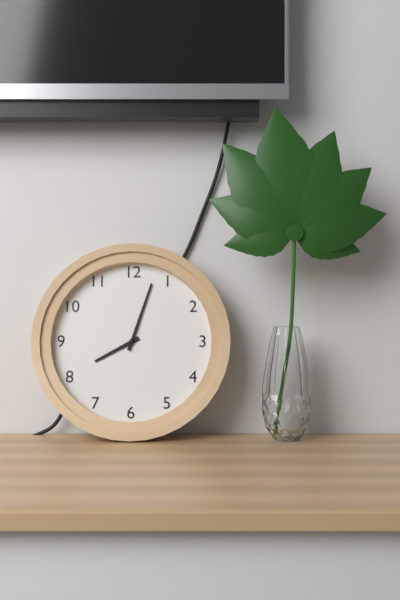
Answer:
8 h 03 min
